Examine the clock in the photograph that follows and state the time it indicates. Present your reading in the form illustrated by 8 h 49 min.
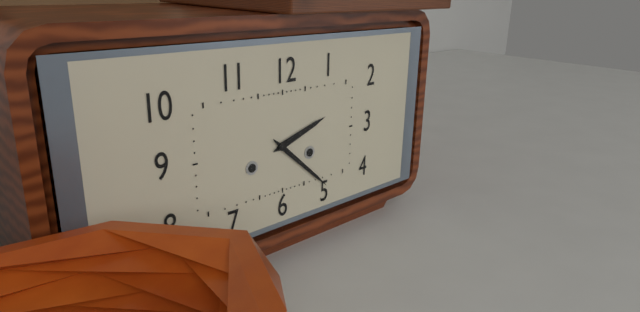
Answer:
2 h 22 min
